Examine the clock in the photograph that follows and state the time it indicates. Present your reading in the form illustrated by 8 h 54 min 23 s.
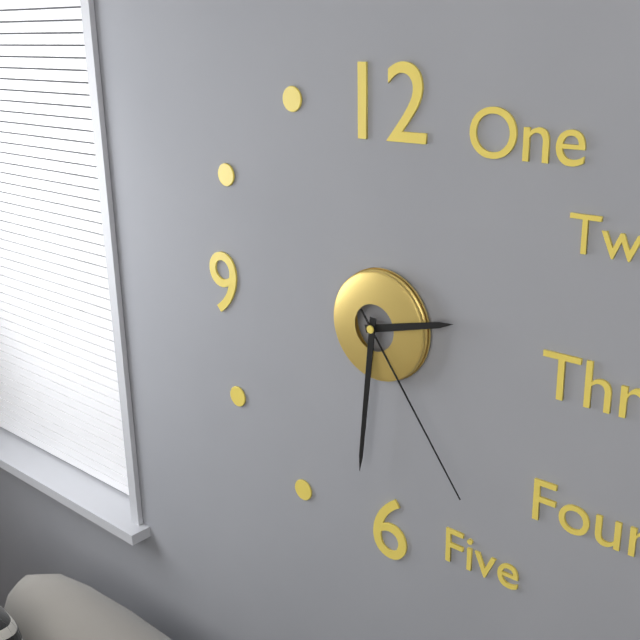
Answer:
2 h 31 min 24 s
